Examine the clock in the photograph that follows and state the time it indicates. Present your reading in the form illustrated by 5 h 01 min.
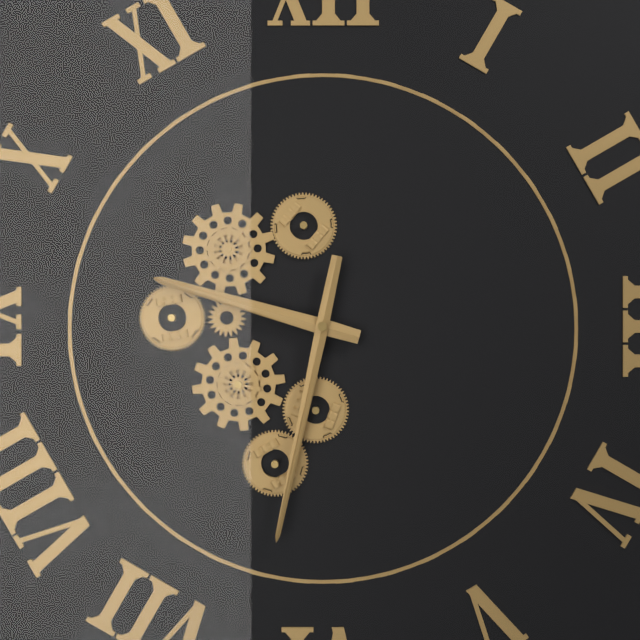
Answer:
9 h 32 min
